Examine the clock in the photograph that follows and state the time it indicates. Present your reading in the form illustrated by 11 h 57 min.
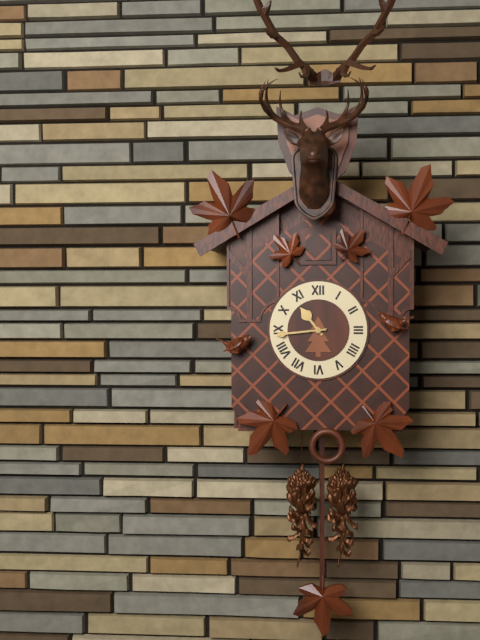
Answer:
10 h 44 min
